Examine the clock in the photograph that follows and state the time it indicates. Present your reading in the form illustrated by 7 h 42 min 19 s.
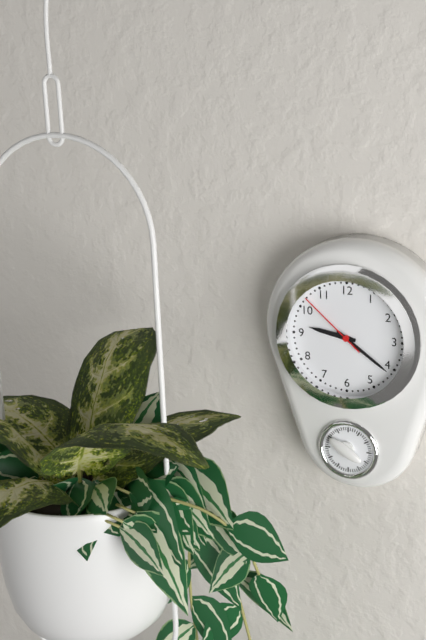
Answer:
9 h 21 min 52 s
